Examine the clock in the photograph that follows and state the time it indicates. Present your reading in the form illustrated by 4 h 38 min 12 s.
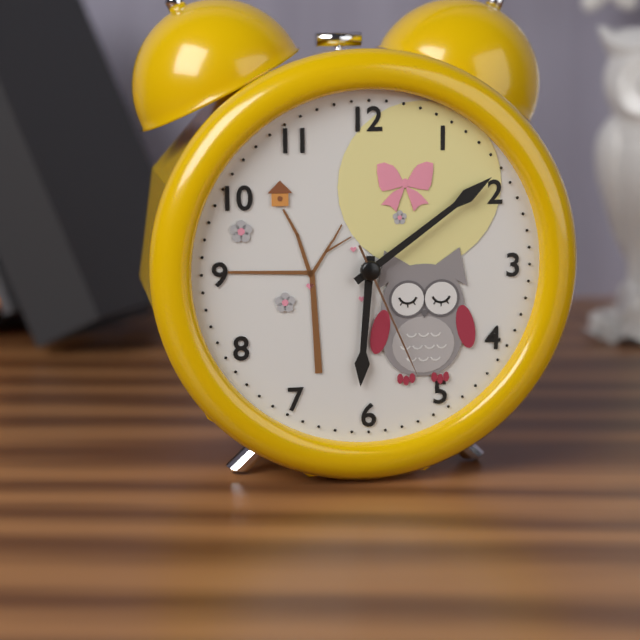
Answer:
6 h 09 min 26 s
